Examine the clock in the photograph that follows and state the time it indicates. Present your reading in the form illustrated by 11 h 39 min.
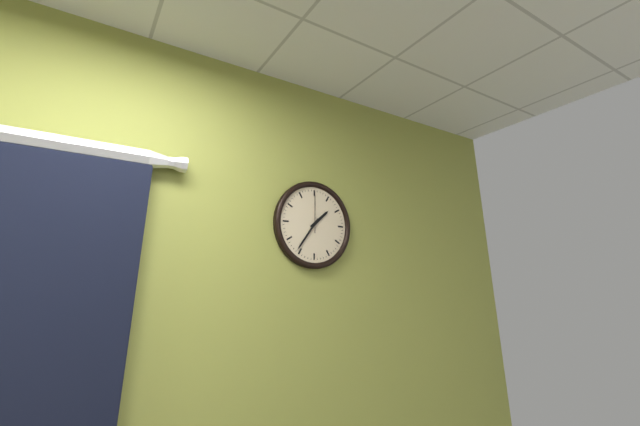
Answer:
1 h 36 min
